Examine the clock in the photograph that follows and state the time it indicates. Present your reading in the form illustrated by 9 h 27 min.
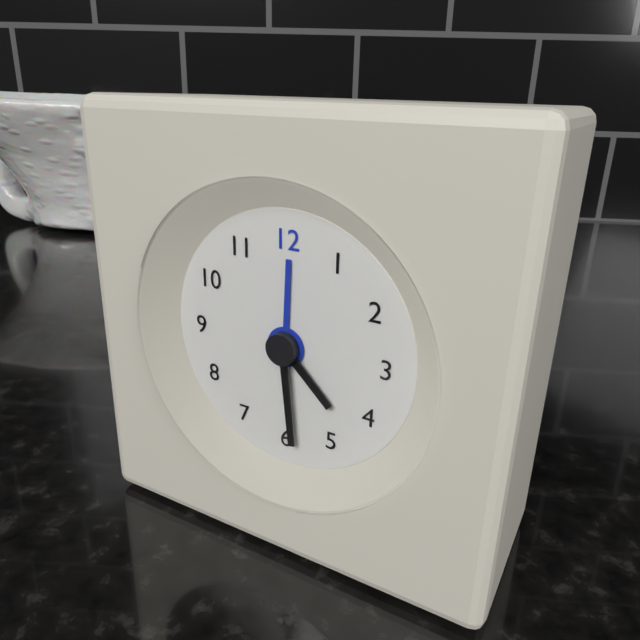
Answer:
4 h 29 min
